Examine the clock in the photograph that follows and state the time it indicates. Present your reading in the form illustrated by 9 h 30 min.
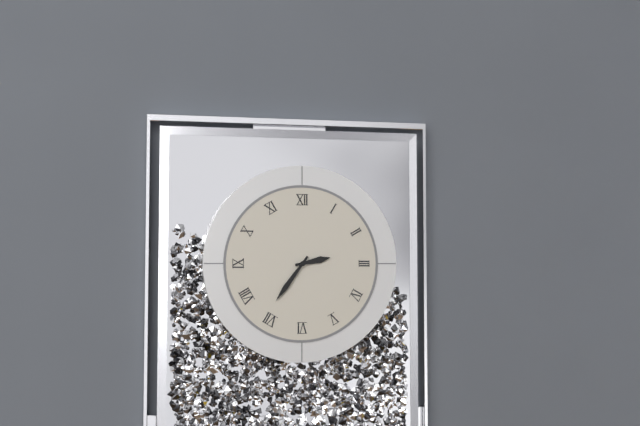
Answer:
2 h 36 min
